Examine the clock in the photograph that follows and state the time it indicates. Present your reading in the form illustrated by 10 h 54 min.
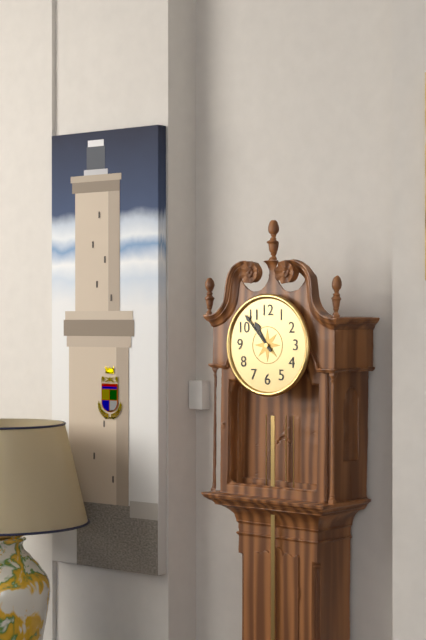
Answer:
10 h 53 min
